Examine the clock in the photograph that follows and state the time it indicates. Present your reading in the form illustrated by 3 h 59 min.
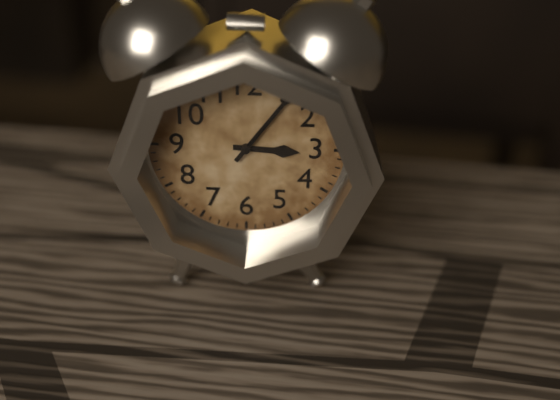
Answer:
3 h 06 min
